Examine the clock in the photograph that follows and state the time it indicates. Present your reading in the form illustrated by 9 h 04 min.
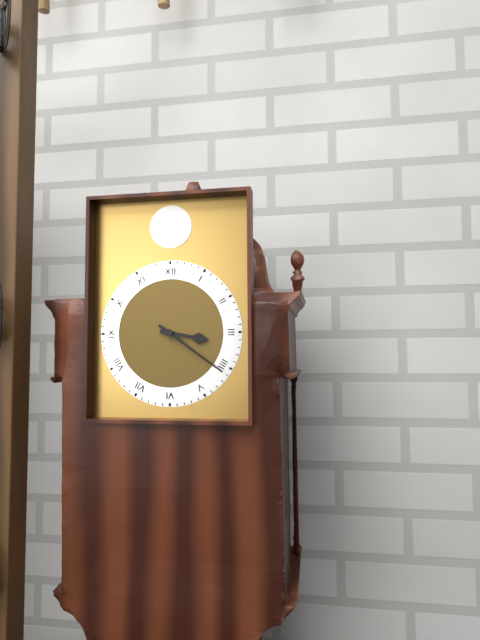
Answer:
3 h 21 min
